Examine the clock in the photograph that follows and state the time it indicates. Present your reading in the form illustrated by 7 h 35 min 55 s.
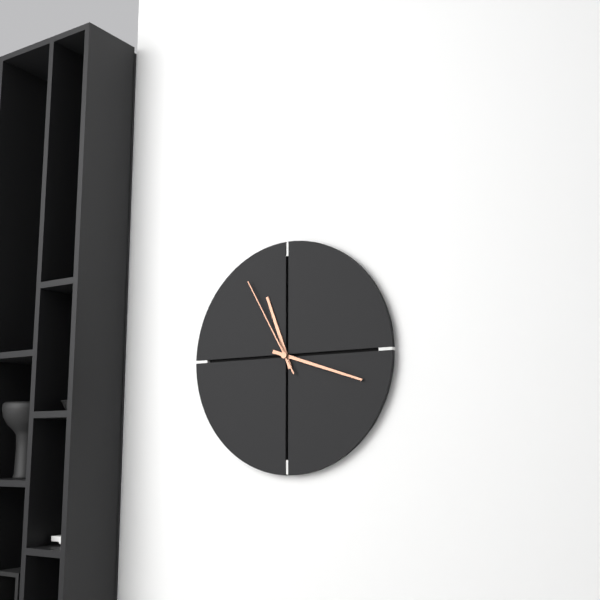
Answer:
11 h 18 min 55 s
